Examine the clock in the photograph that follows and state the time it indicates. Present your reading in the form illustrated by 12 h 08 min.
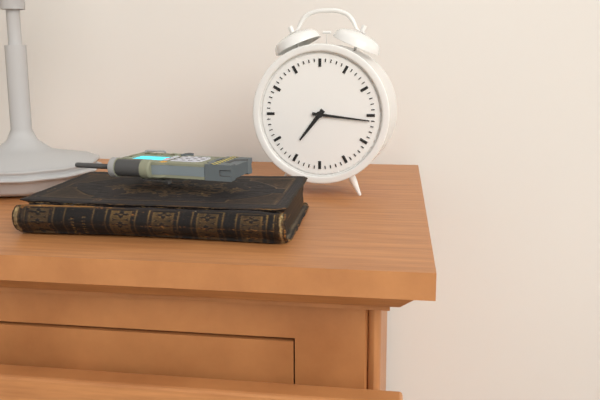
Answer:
7 h 16 min
